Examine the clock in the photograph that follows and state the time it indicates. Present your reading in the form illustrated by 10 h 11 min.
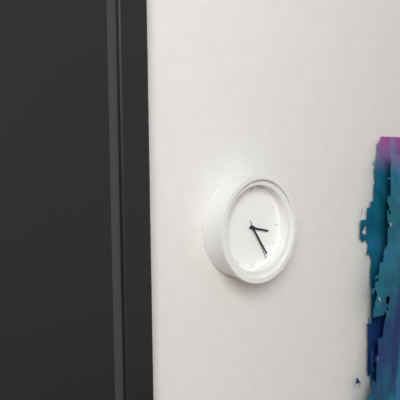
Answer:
3 h 24 min
